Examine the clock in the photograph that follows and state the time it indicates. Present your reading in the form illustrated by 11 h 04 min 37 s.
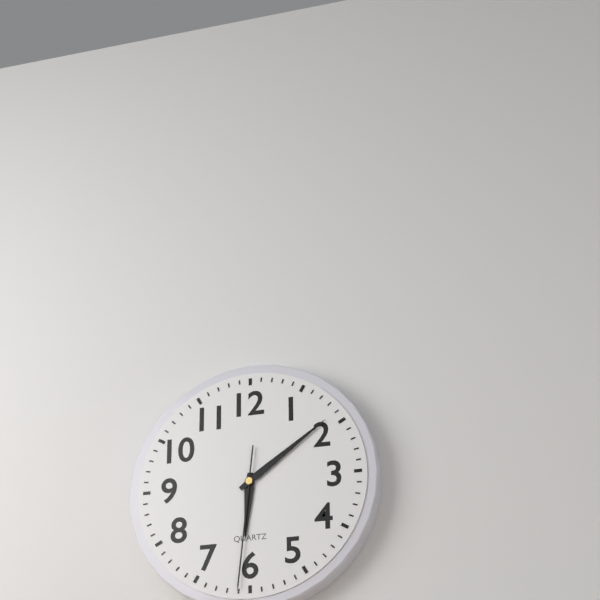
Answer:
6 h 09 min 31 s
